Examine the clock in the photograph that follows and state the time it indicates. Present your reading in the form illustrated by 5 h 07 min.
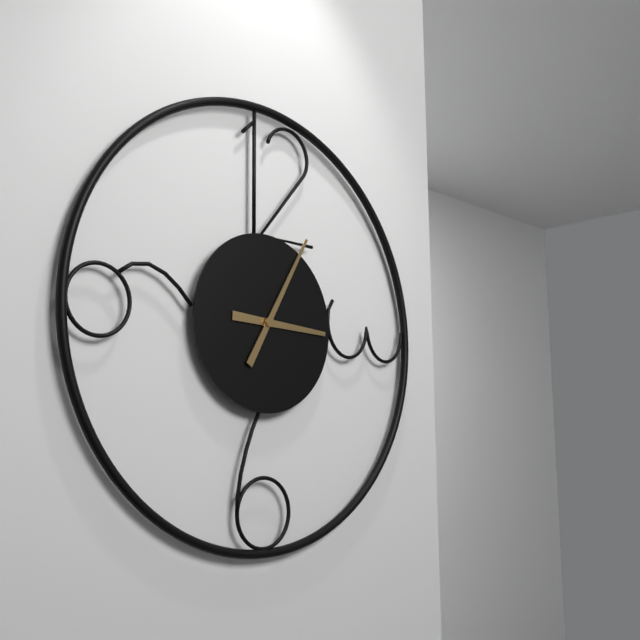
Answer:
3 h 05 min
